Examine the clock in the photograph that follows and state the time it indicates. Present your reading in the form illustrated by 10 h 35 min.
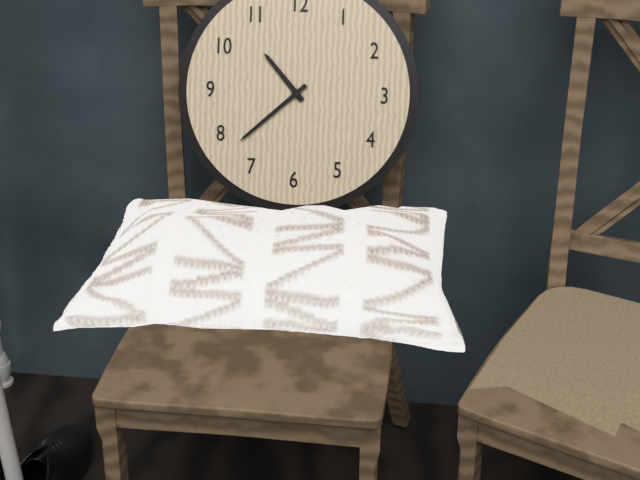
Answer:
10 h 38 min
